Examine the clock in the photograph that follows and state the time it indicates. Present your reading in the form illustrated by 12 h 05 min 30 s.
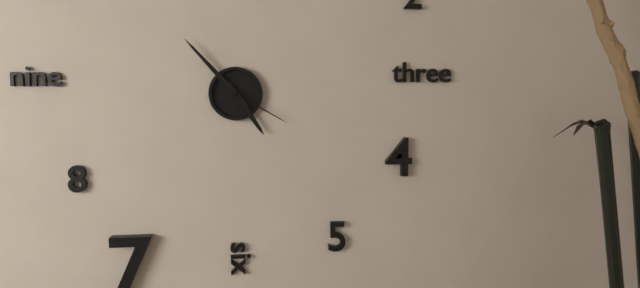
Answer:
4 h 53 min 20 s
